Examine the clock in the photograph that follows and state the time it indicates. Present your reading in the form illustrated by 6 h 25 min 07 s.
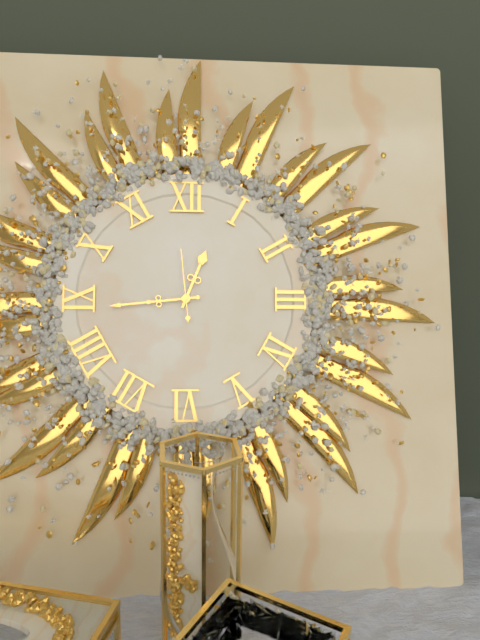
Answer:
12 h 44 min 59 s
